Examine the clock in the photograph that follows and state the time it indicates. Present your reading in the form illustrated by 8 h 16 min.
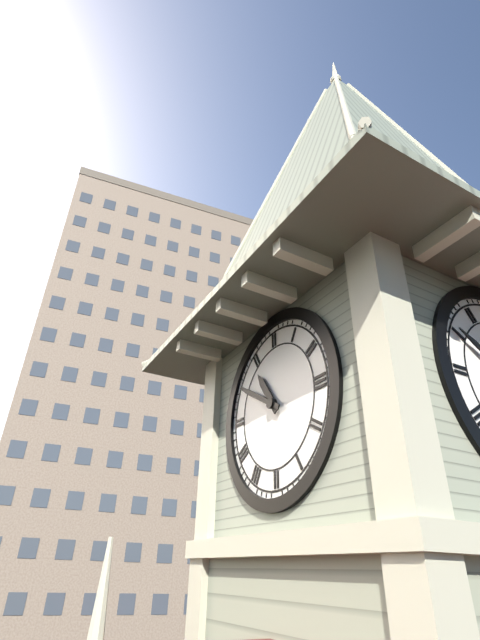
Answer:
10 h 50 min
